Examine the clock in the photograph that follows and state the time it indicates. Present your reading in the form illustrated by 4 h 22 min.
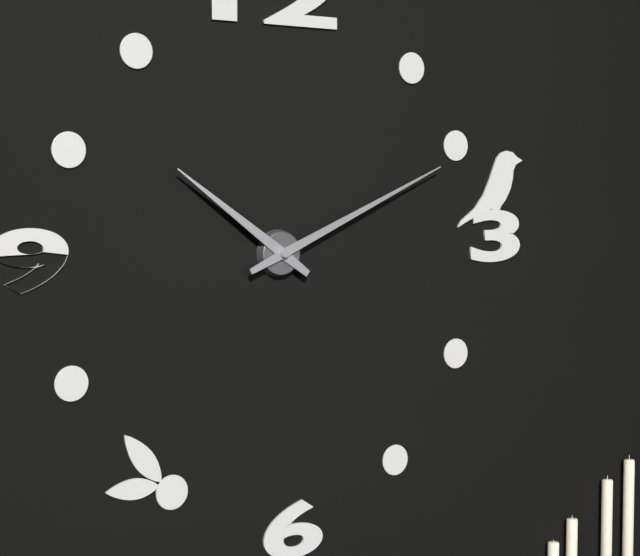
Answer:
10 h 11 min
